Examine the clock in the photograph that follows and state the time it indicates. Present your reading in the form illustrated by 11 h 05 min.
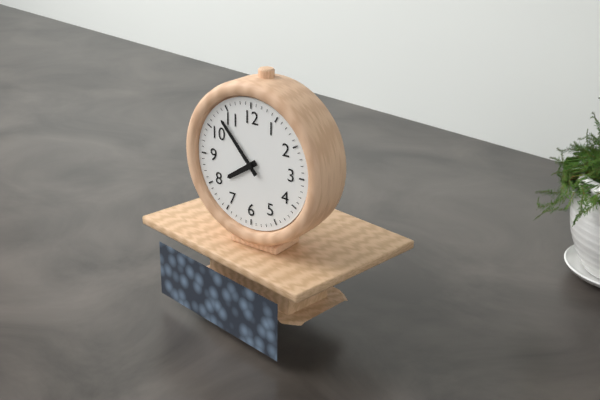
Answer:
7 h 53 min
